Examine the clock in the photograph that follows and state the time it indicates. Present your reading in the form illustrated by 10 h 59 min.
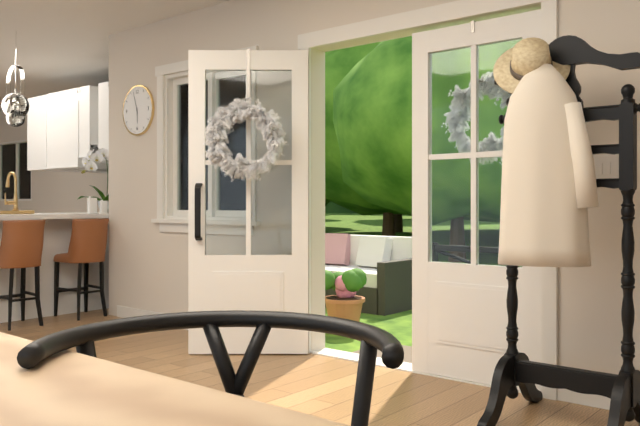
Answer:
5 h 57 min
